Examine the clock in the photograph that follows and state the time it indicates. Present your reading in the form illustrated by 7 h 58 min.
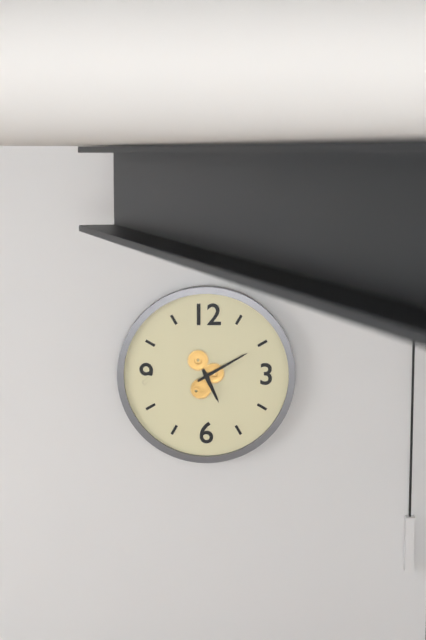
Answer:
5 h 10 min
